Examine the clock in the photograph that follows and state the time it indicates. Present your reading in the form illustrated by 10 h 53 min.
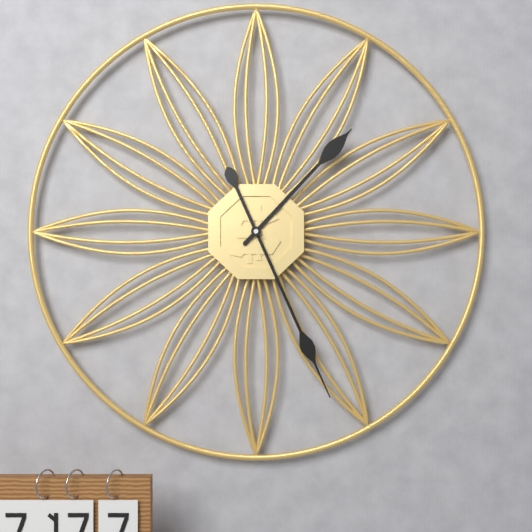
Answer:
1 h 26 min
